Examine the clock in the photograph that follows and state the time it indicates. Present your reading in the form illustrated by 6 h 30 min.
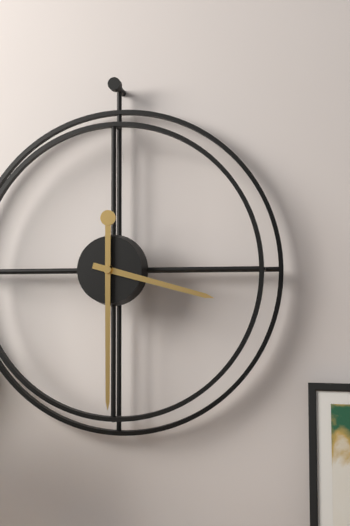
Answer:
3 h 30 min
